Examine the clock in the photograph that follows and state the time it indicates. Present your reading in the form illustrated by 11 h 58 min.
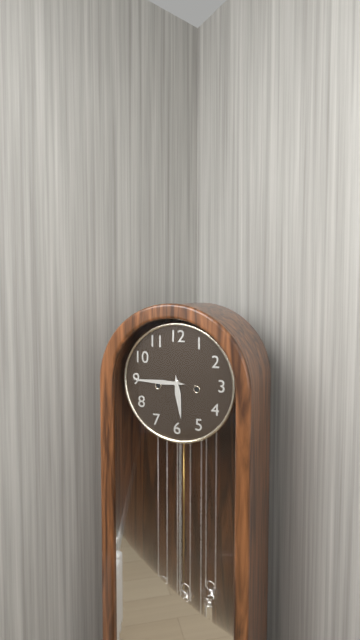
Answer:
5 h 45 min
